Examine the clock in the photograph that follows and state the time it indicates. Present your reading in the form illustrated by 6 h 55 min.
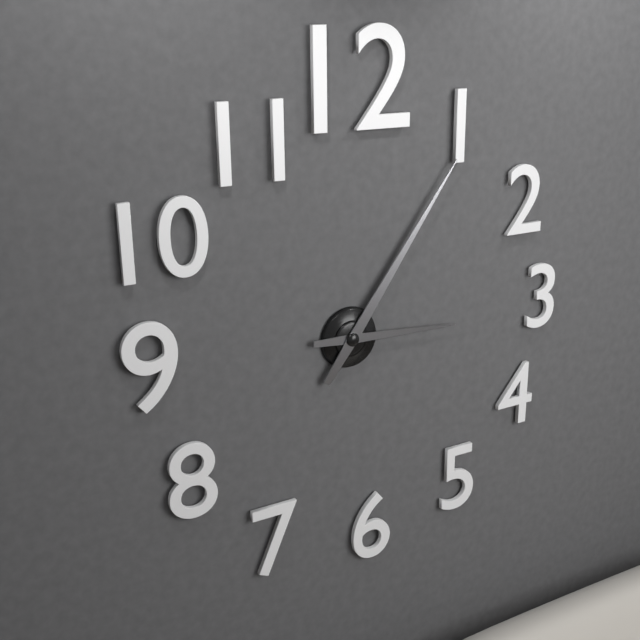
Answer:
3 h 06 min
